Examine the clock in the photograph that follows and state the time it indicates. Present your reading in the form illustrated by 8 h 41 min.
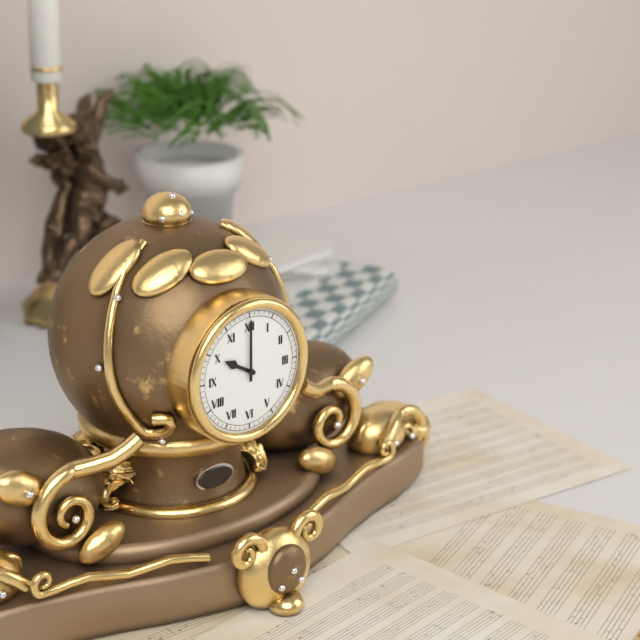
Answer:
10 h 00 min
